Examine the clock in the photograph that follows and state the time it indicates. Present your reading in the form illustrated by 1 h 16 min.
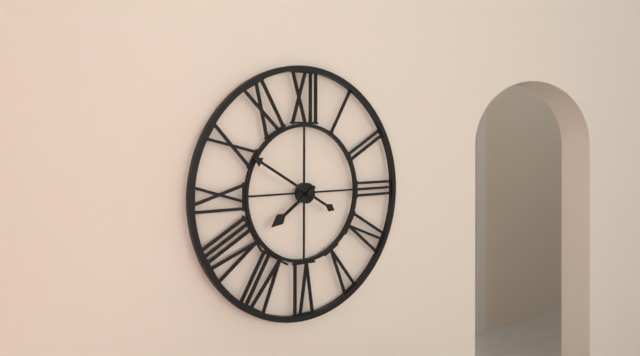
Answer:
7 h 50 min
